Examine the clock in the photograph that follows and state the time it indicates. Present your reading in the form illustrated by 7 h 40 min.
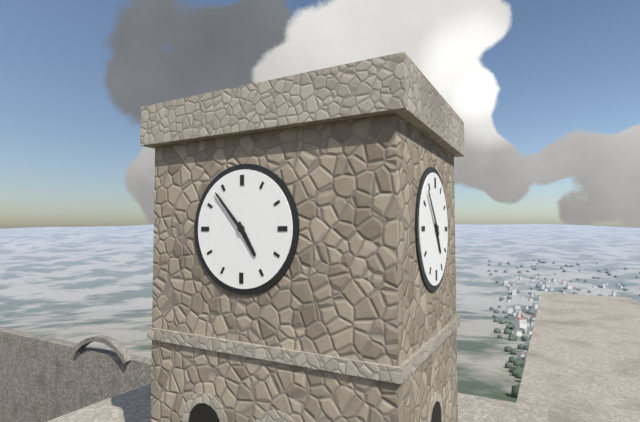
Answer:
4 h 53 min
